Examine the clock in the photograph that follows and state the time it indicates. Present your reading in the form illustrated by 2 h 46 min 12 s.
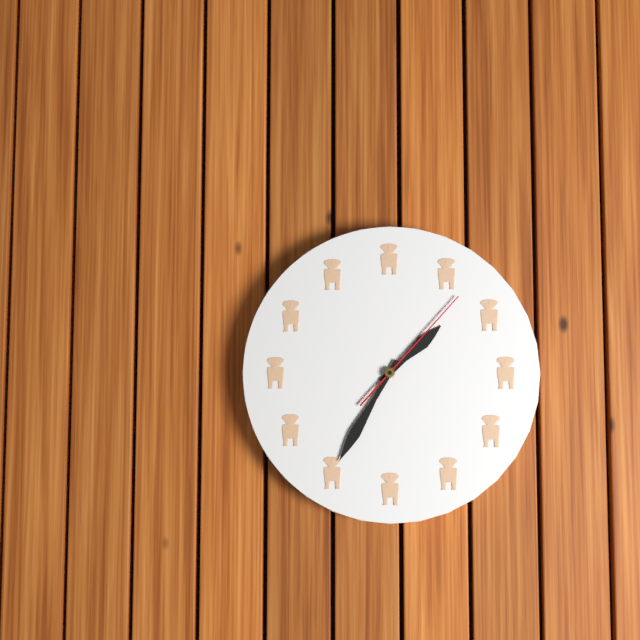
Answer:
1 h 35 min 07 s
